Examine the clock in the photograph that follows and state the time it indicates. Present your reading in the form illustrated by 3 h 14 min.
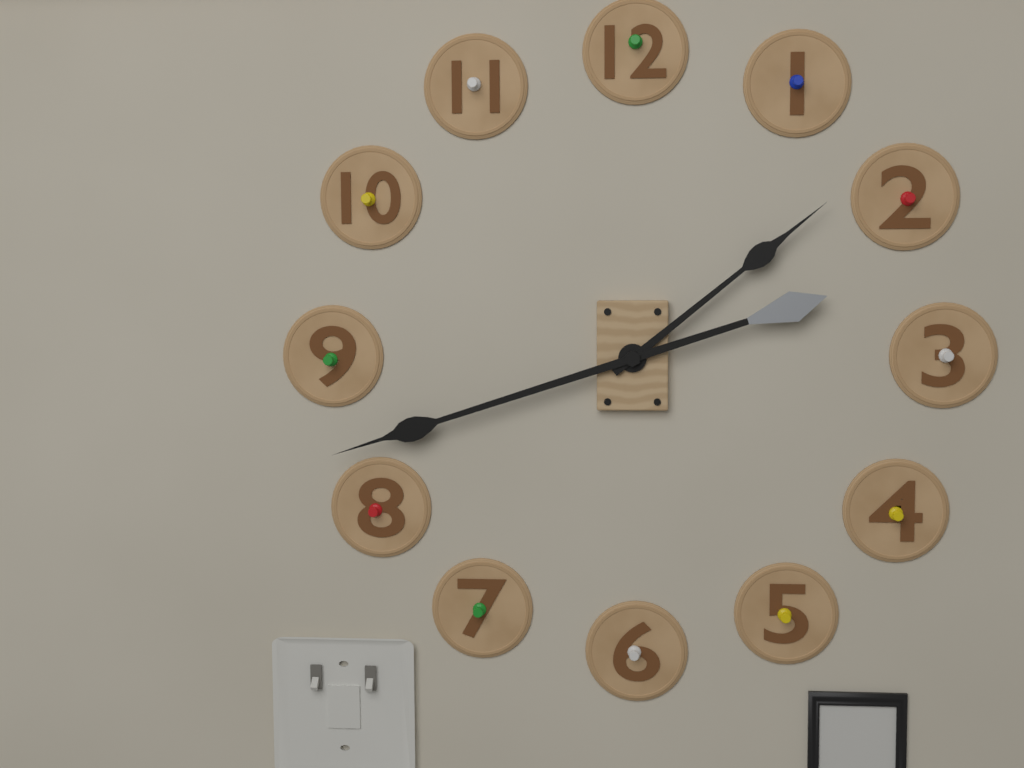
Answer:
1 h 42 min
